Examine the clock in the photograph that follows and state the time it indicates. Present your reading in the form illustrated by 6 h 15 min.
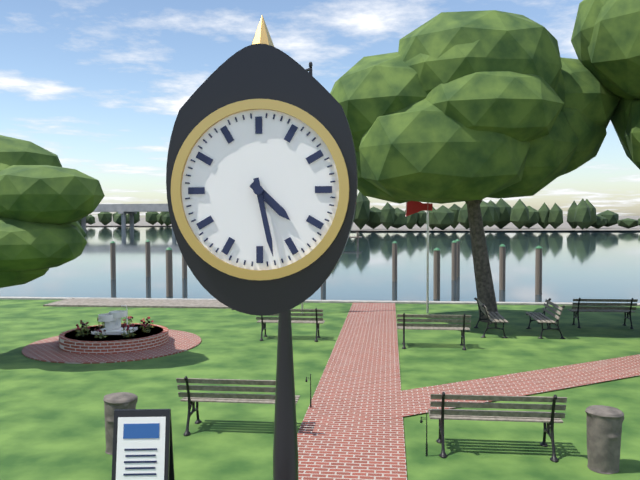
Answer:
4 h 28 min
